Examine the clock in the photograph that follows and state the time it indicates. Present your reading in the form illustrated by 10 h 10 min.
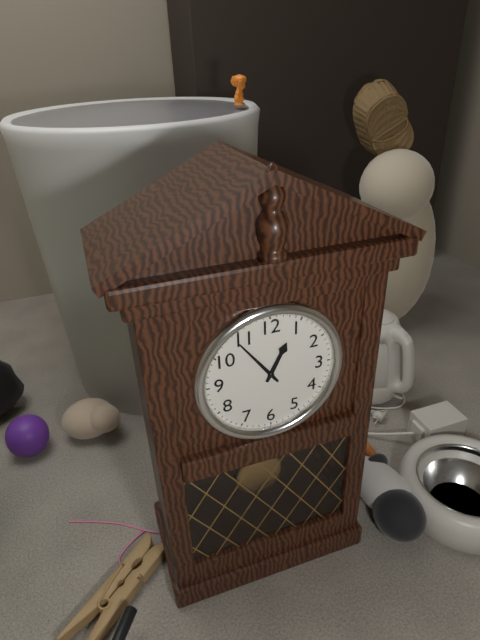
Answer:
12 h 54 min
